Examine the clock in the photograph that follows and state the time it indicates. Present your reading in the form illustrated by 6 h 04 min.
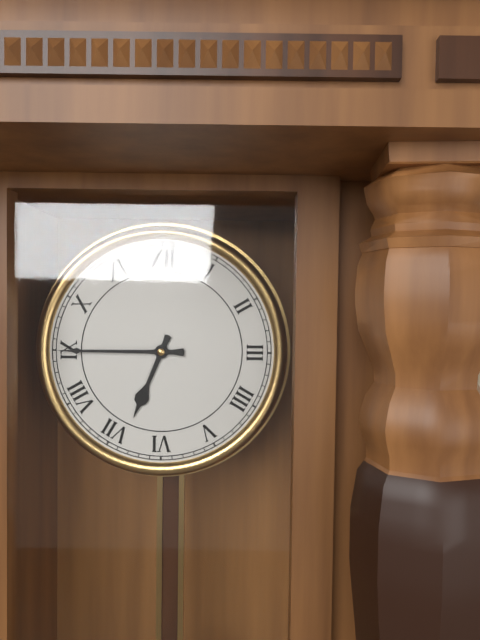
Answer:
6 h 45 min
